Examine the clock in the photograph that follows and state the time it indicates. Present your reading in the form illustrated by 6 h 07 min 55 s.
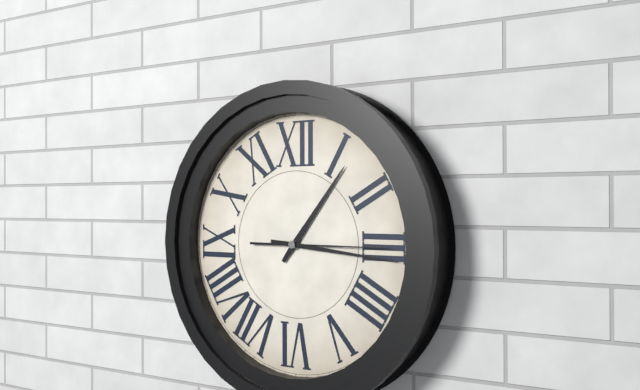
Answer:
1 h 16 min 15 s
